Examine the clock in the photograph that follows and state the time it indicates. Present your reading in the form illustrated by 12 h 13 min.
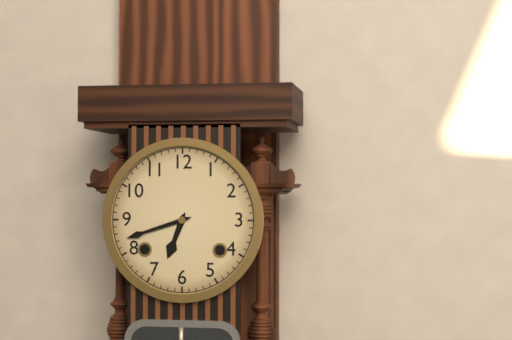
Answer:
6 h 42 min
